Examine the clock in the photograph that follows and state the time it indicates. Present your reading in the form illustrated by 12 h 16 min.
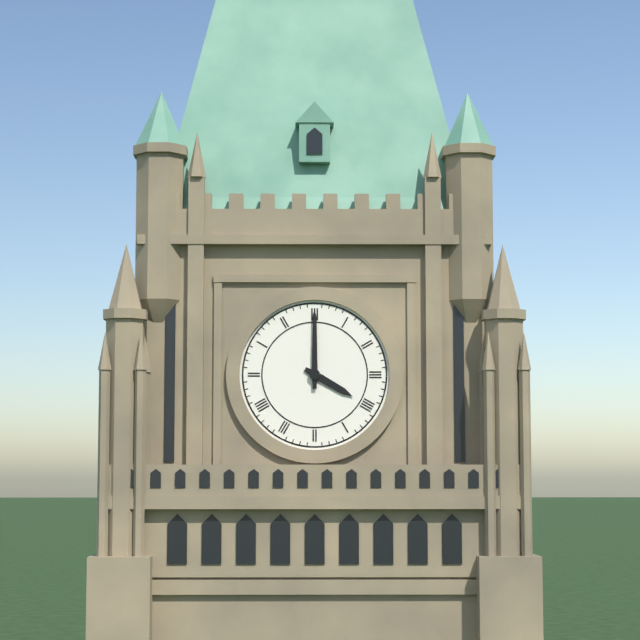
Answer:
4 h 00 min
